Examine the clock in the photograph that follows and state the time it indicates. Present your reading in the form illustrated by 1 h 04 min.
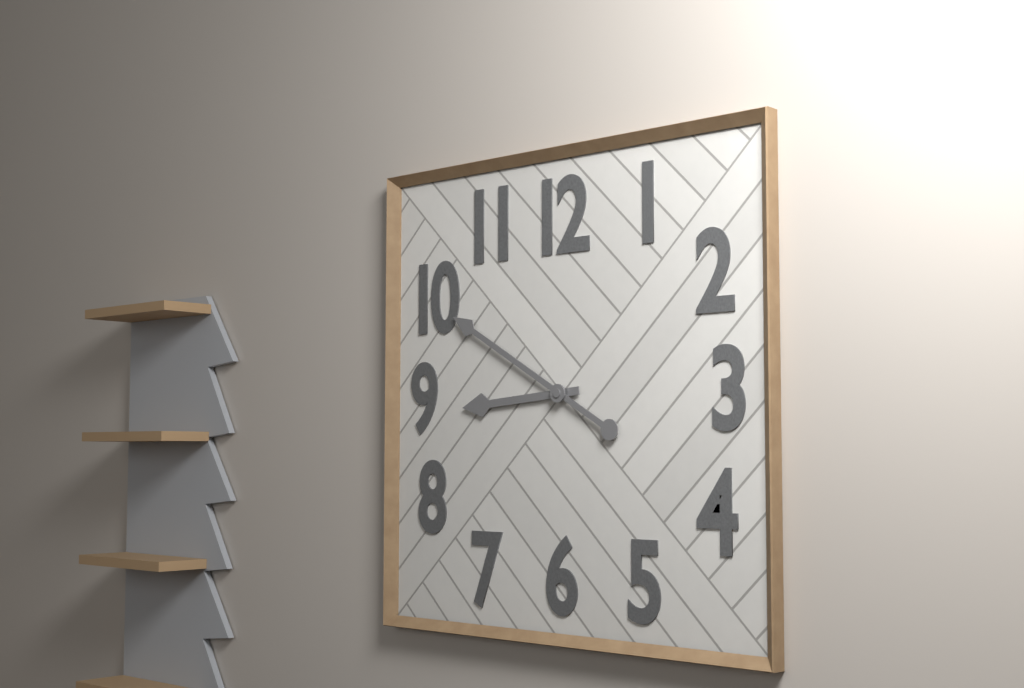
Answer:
8 h 50 min
